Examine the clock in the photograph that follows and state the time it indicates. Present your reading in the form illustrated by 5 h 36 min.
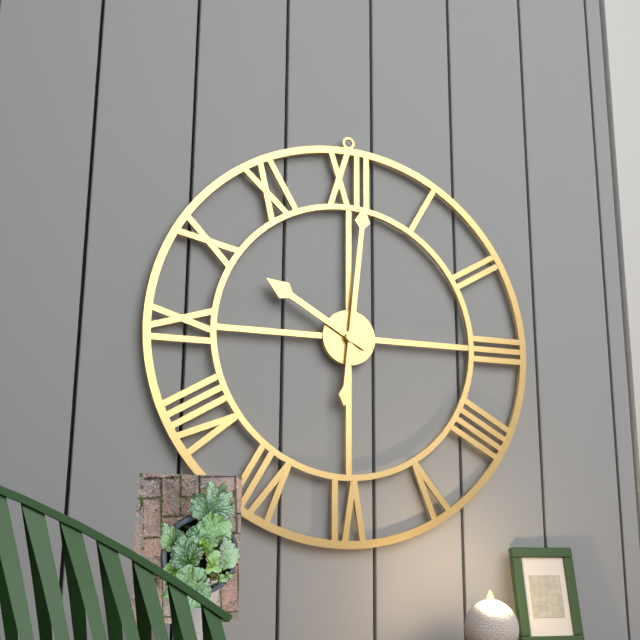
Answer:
10 h 01 min
